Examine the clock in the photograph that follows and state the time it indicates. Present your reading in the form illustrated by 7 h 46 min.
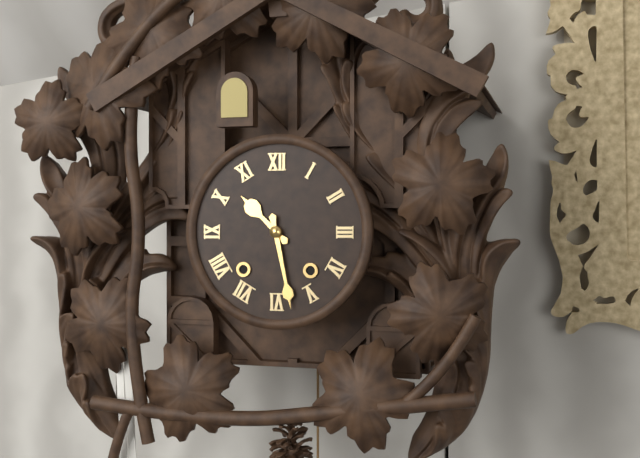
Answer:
10 h 28 min
